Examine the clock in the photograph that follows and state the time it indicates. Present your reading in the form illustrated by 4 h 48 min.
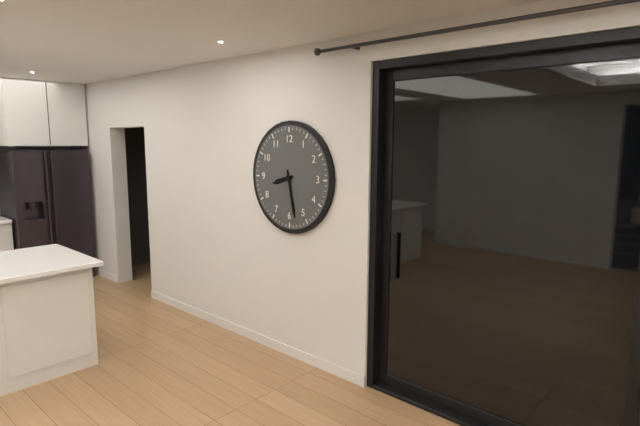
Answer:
8 h 28 min
